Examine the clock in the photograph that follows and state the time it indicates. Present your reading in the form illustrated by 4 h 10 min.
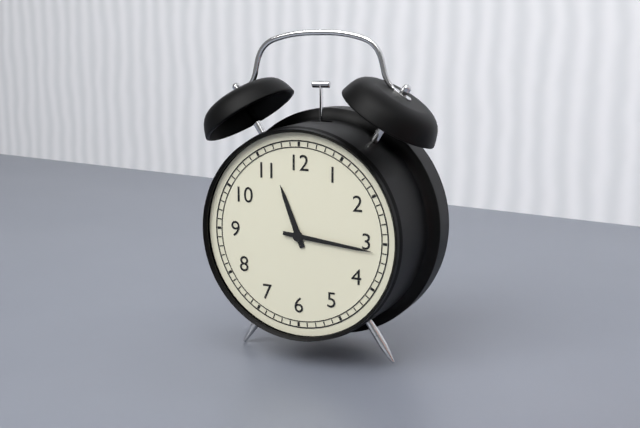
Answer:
11 h 16 min
